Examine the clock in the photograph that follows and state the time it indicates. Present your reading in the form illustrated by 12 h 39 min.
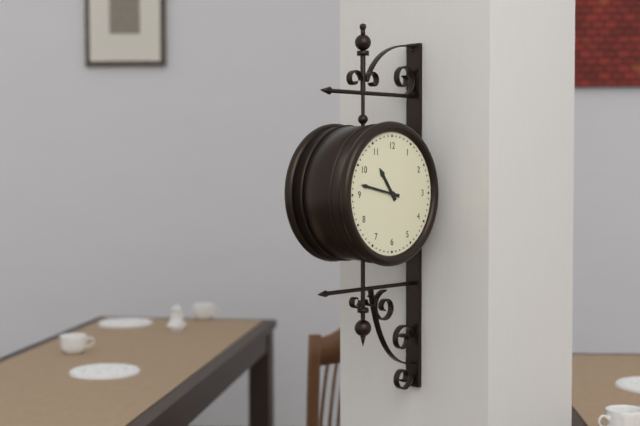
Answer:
10 h 47 min
